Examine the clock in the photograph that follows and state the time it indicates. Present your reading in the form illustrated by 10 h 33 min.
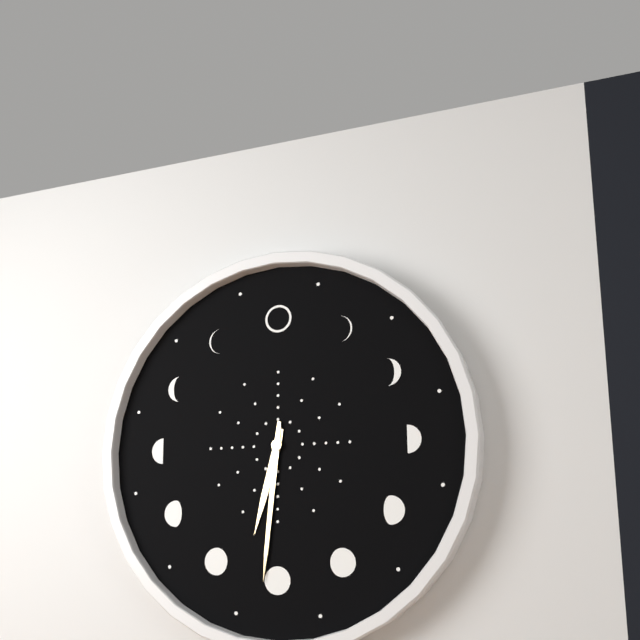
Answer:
6 h 31 min
